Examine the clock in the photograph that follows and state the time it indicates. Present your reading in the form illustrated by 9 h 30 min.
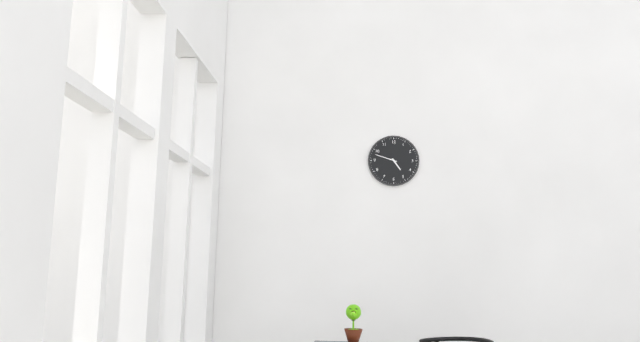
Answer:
4 h 48 min
